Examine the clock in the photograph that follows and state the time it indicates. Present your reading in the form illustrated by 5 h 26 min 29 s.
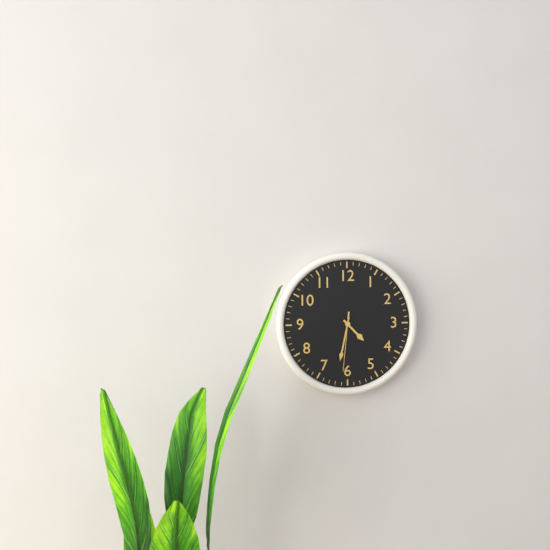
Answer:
4 h 32 min 31 s
